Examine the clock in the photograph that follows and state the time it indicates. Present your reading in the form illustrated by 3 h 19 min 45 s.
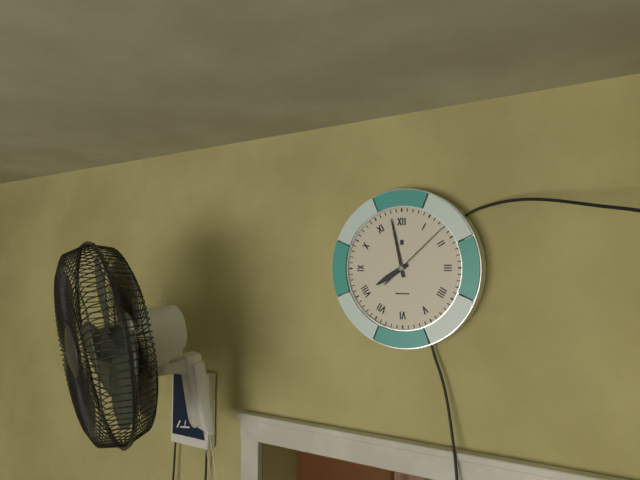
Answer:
7 h 58 min 08 s
